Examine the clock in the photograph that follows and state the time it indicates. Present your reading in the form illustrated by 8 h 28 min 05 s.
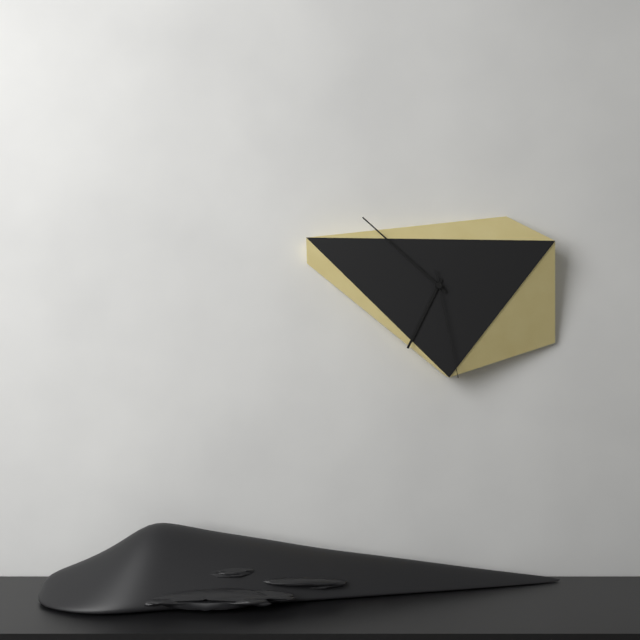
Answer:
6 h 52 min 28 s
